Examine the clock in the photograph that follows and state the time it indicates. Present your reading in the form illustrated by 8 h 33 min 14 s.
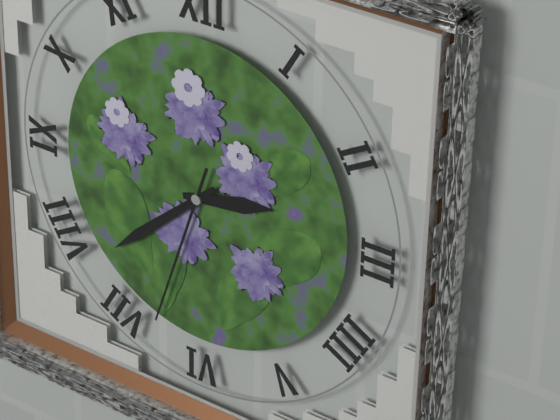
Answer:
2 h 38 min 33 s
